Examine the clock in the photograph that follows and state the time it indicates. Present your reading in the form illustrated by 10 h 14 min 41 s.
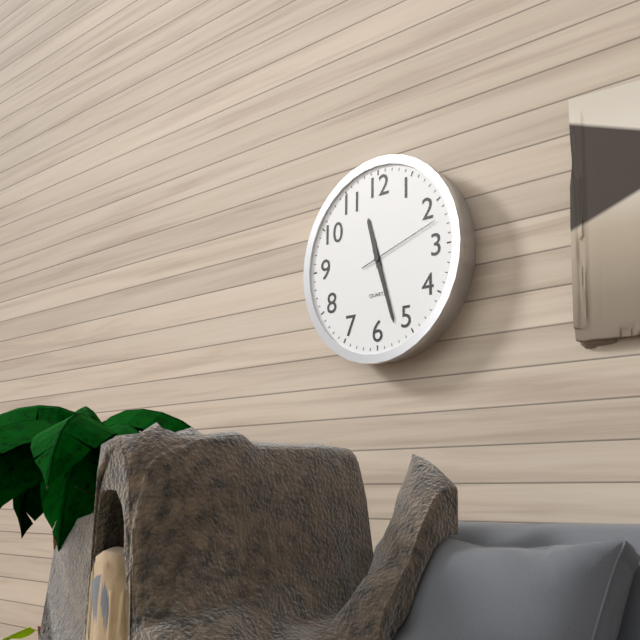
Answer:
11 h 27 min 12 s
